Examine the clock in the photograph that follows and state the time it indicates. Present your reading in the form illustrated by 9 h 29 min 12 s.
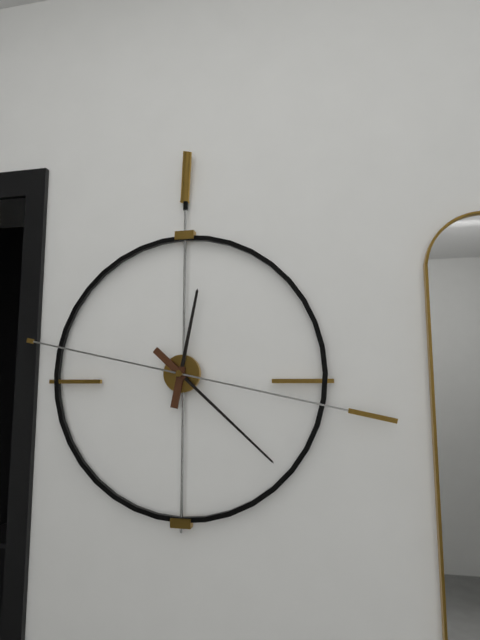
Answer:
12 h 22 min 17 s
